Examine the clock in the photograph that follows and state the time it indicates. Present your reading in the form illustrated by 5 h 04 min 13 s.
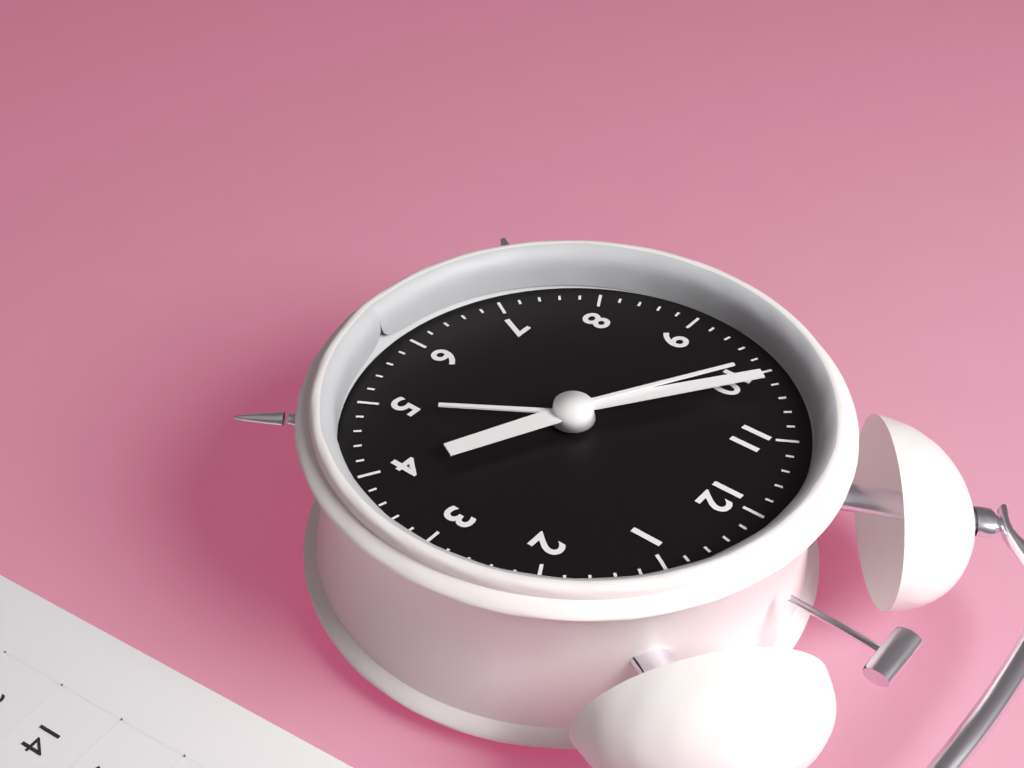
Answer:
3 h 51 min 50 s
